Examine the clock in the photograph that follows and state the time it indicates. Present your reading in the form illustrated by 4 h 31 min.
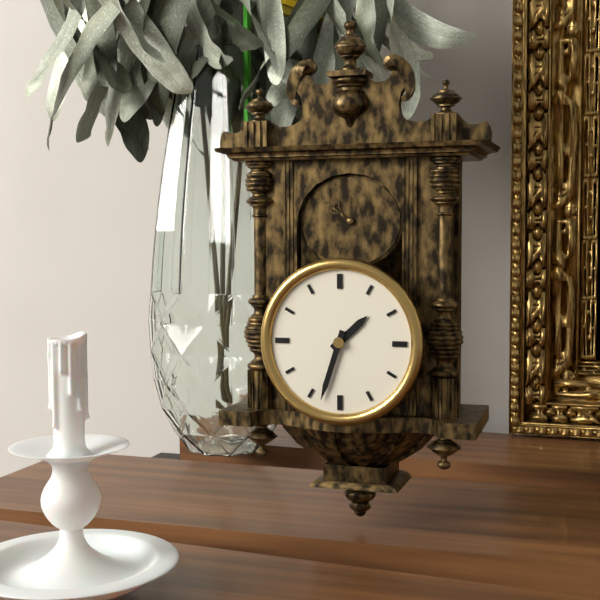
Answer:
1 h 33 min
